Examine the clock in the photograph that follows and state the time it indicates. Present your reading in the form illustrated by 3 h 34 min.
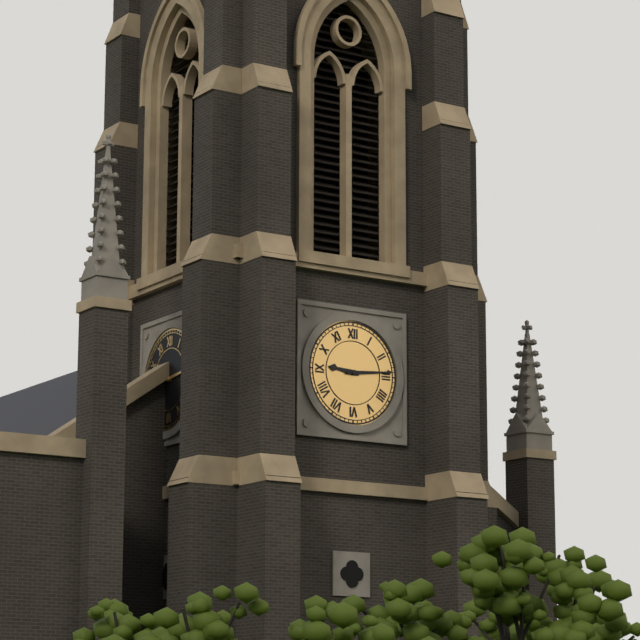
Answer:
9 h 14 min
